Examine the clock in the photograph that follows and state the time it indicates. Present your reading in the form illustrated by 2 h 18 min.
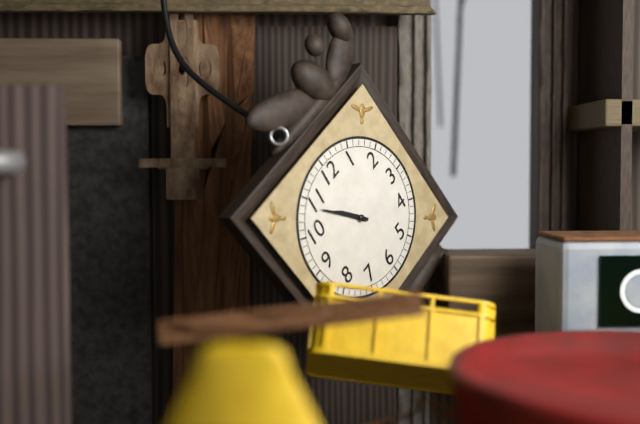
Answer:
10 h 54 min
